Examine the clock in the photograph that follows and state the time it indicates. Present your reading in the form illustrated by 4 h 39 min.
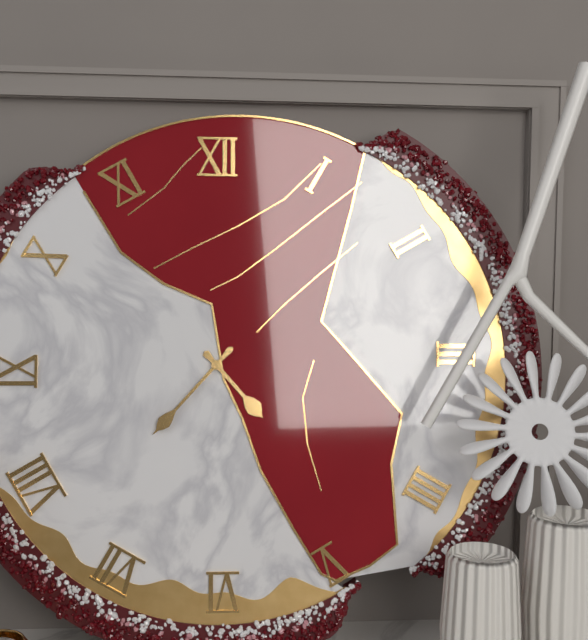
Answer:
4 h 37 min
